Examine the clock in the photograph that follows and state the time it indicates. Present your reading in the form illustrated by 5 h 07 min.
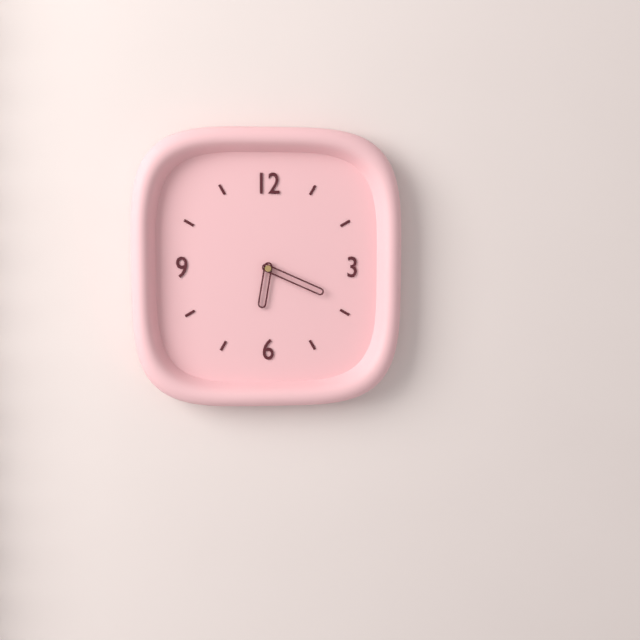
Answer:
6 h 19 min
